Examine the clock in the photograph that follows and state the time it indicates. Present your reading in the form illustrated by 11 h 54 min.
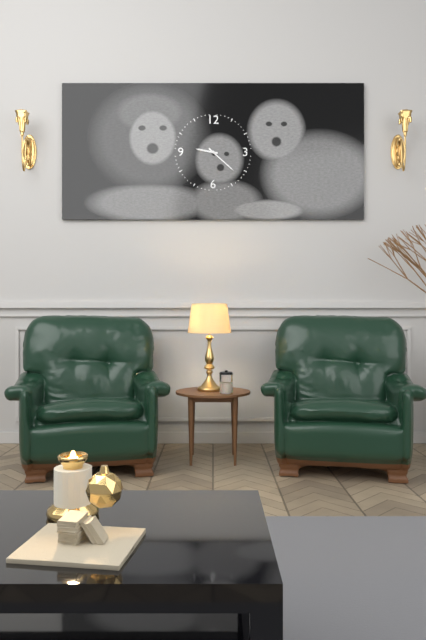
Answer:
9 h 22 min
